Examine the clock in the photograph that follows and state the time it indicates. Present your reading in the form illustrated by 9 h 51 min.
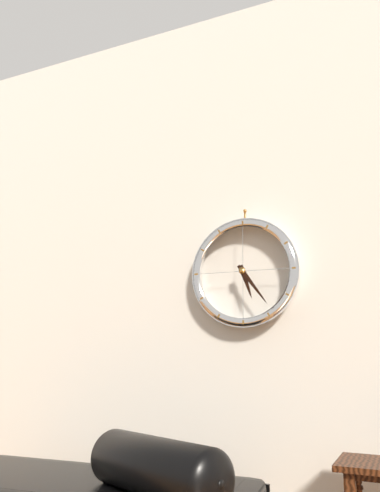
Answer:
5 h 24 min
